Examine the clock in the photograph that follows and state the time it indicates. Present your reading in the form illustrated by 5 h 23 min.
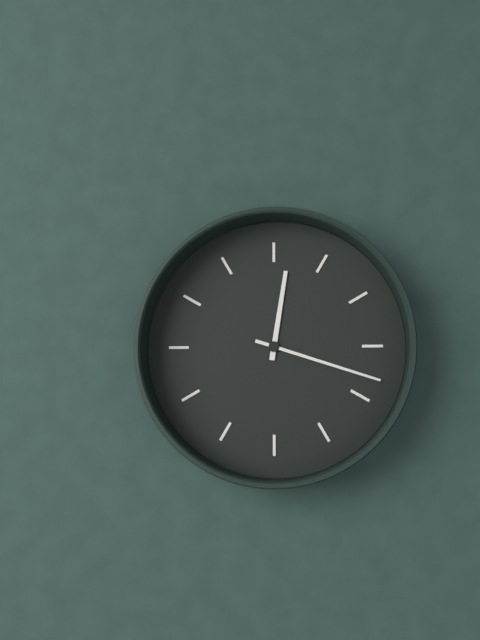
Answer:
12 h 18 min
